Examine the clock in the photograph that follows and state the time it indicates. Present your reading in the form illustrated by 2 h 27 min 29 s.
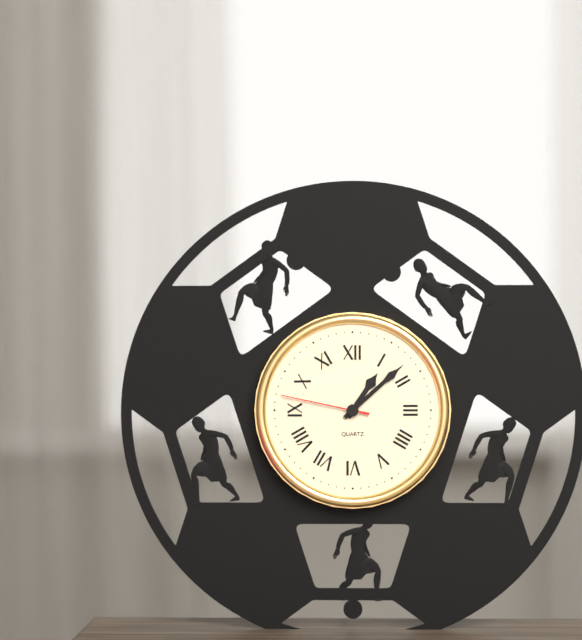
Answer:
1 h 08 min 47 s
